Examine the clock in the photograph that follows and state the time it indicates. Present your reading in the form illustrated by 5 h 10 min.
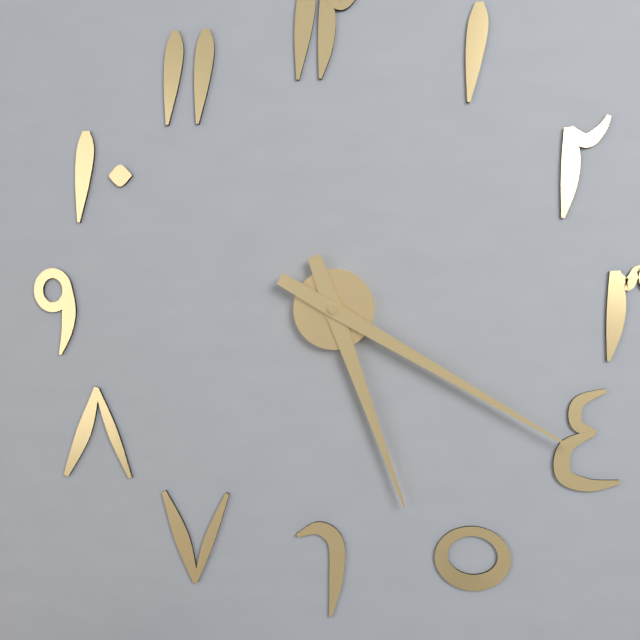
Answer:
5 h 20 min
